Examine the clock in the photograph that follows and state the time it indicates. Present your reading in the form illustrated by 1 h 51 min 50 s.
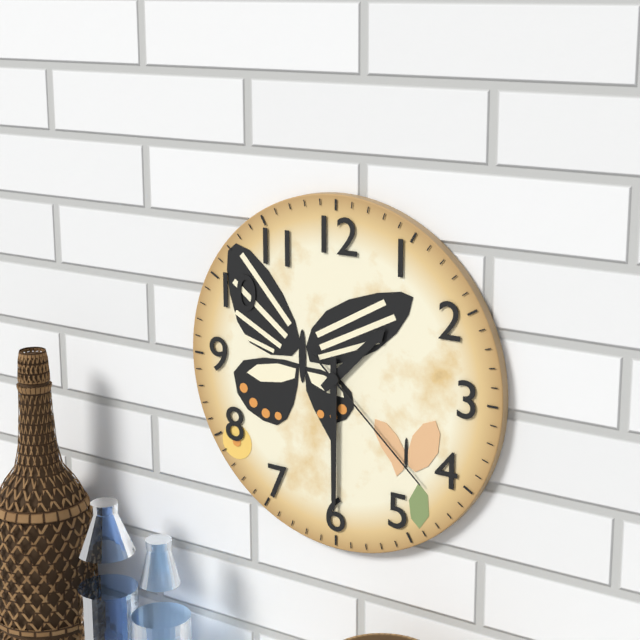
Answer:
1 h 30 min 22 s
